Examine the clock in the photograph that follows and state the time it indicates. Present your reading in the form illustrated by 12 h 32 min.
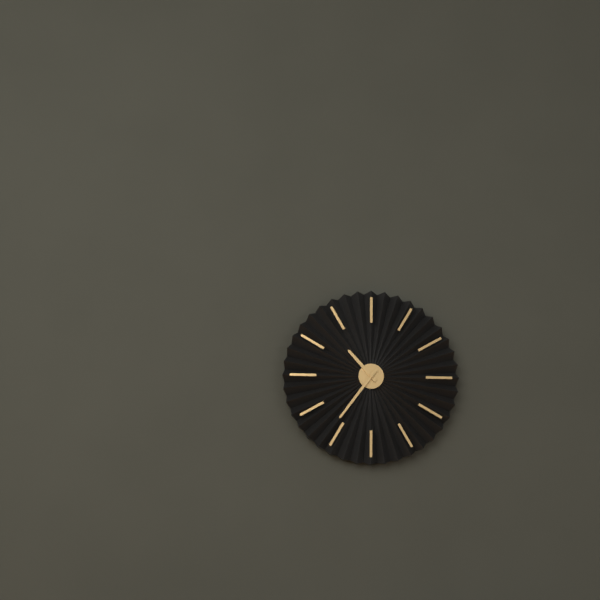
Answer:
10 h 36 min
